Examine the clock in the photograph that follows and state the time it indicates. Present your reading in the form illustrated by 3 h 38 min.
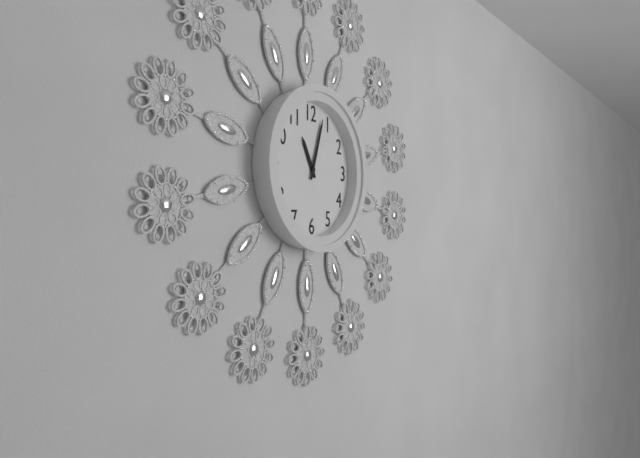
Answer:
11 h 03 min
